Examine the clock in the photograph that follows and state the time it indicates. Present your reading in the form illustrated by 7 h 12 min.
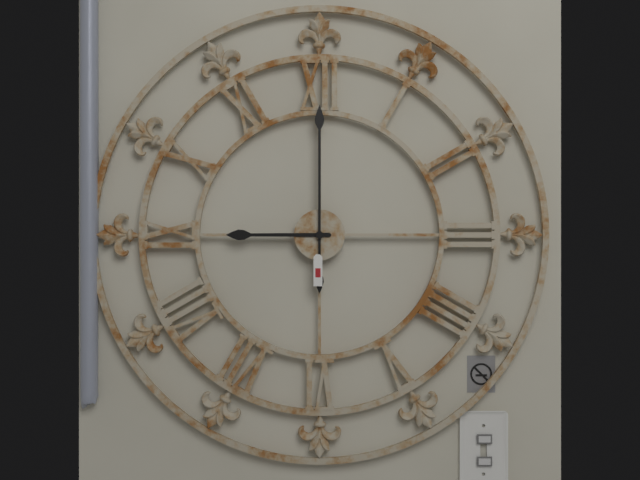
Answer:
9 h 00 min
